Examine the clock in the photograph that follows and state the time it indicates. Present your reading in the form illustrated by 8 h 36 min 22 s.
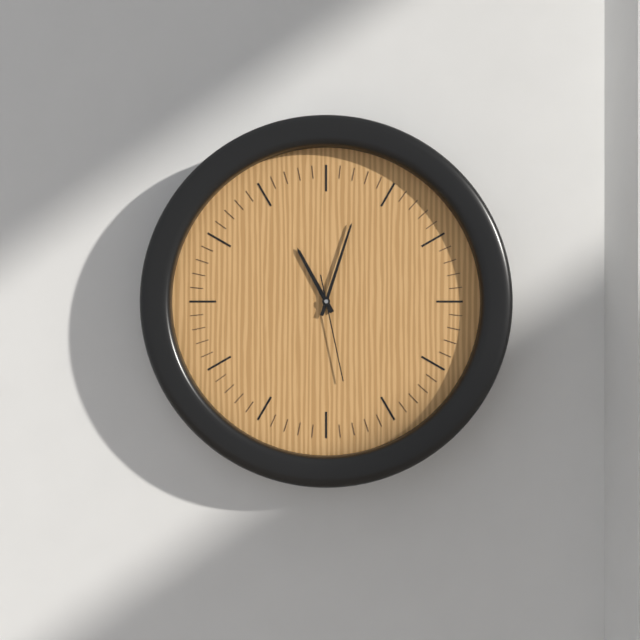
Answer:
11 h 03 min 28 s
